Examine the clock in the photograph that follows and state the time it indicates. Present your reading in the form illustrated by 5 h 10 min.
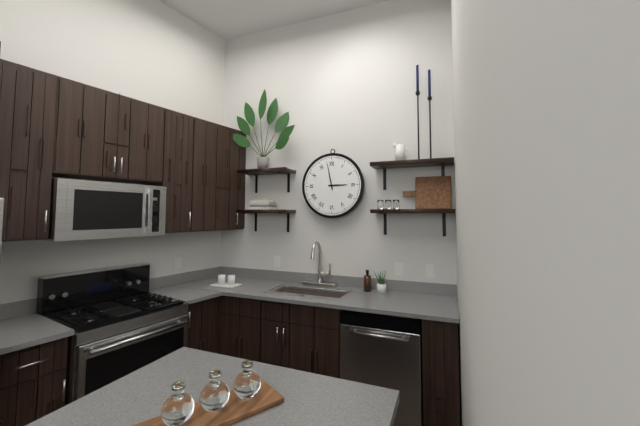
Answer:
2 h 58 min
